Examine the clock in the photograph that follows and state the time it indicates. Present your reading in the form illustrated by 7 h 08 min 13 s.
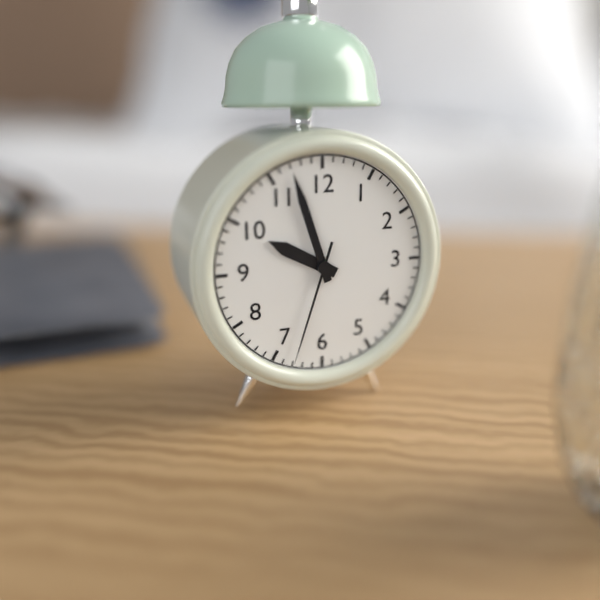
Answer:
9 h 57 min 33 s
